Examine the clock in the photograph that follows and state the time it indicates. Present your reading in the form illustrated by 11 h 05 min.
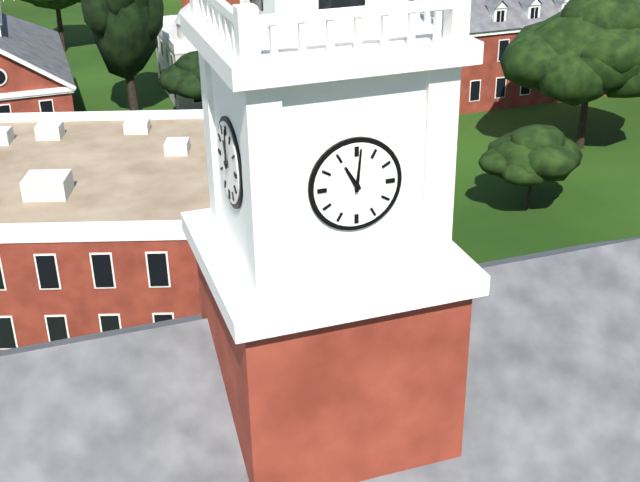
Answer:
11 h 01 min
